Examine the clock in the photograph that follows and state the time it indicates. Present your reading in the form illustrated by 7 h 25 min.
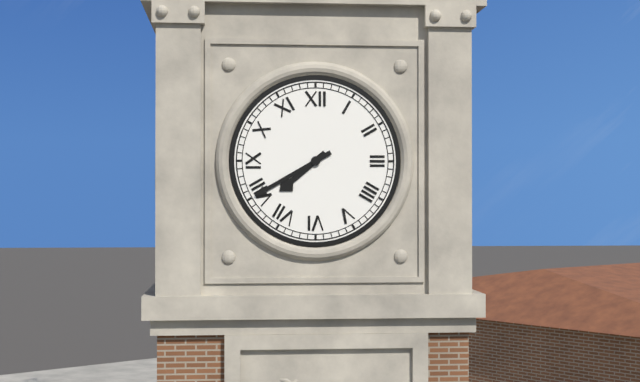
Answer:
7 h 40 min
